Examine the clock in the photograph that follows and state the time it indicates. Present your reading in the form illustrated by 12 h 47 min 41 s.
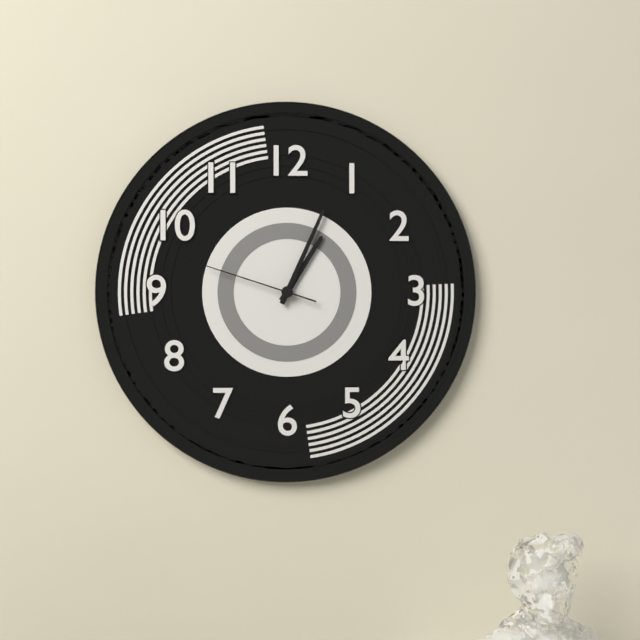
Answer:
1 h 04 min 48 s
